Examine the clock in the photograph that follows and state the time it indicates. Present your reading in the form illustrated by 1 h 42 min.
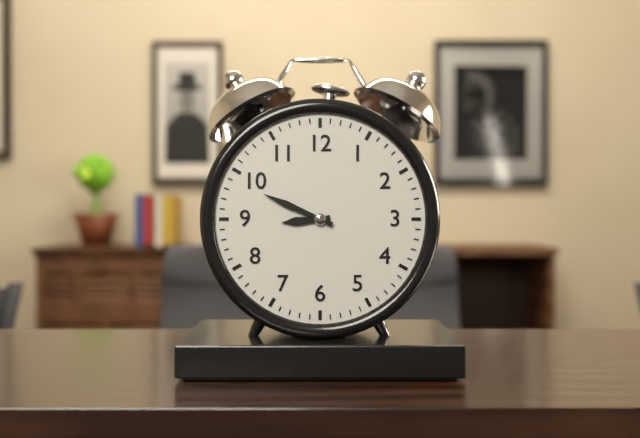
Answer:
8 h 49 min
